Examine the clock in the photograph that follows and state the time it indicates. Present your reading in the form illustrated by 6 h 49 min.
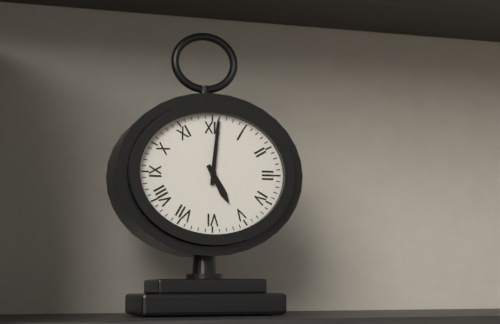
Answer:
5 h 01 min
